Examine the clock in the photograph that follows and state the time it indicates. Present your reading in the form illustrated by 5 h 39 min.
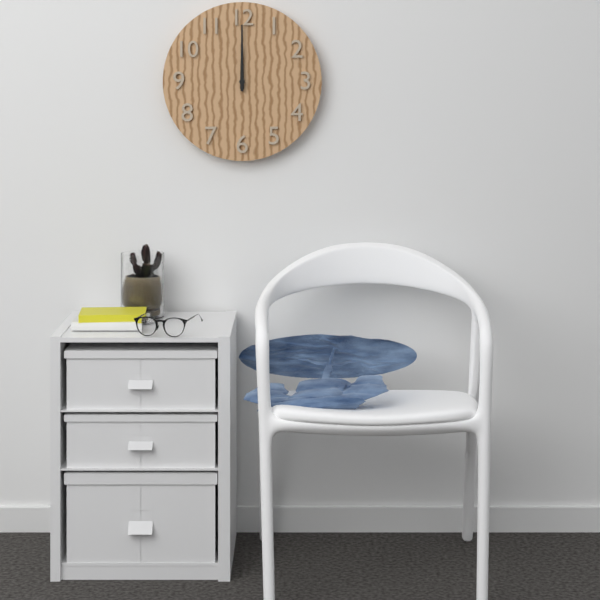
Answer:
12 h 00 min
